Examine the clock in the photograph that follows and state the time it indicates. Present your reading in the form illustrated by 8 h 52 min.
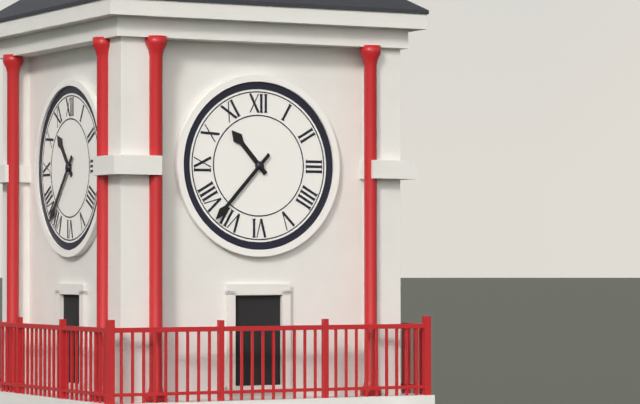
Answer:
10 h 37 min
